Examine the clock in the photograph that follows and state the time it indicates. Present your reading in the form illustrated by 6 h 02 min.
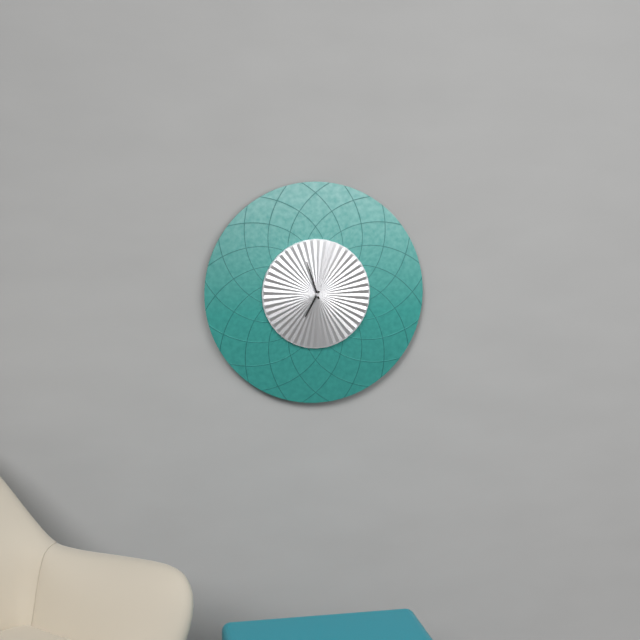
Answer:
6 h 57 min
